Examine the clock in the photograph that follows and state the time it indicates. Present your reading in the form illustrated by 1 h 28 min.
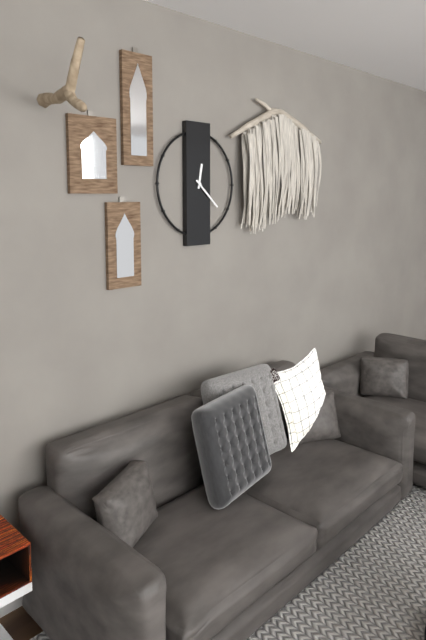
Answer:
12 h 22 min
